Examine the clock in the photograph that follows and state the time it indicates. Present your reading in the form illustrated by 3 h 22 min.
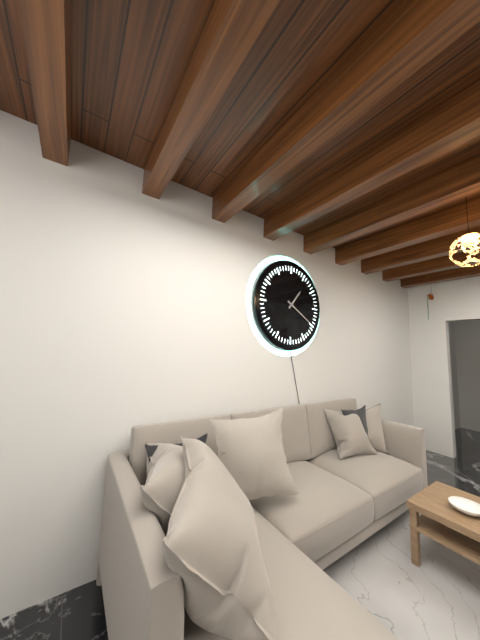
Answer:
1 h 20 min
